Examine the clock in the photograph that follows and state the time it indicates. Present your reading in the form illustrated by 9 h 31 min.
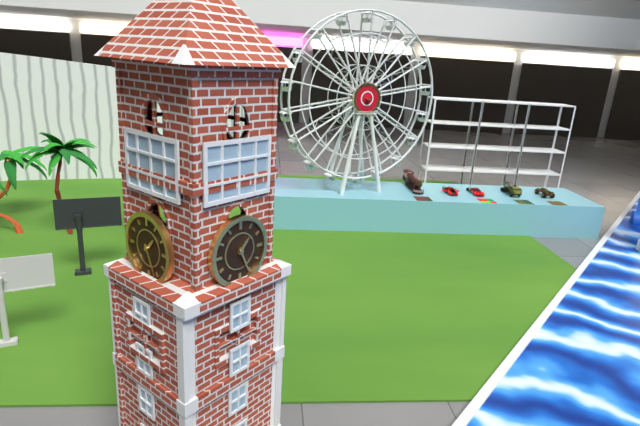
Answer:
1 h 26 min
